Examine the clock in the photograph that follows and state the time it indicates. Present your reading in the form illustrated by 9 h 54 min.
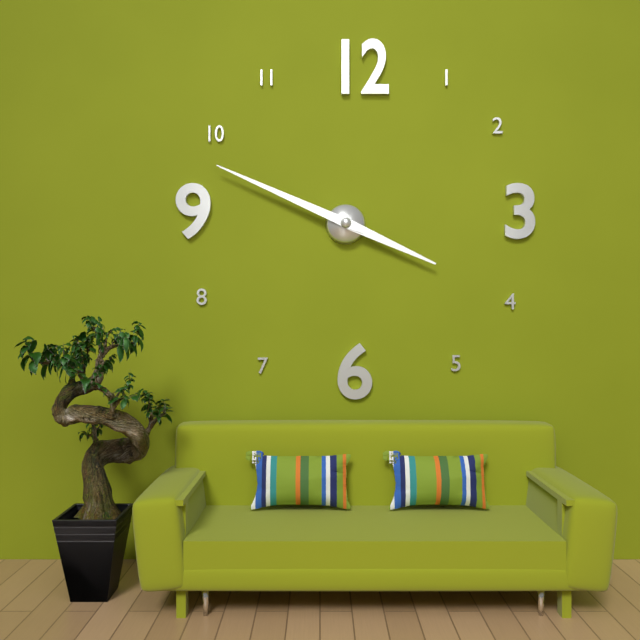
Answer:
3 h 49 min
